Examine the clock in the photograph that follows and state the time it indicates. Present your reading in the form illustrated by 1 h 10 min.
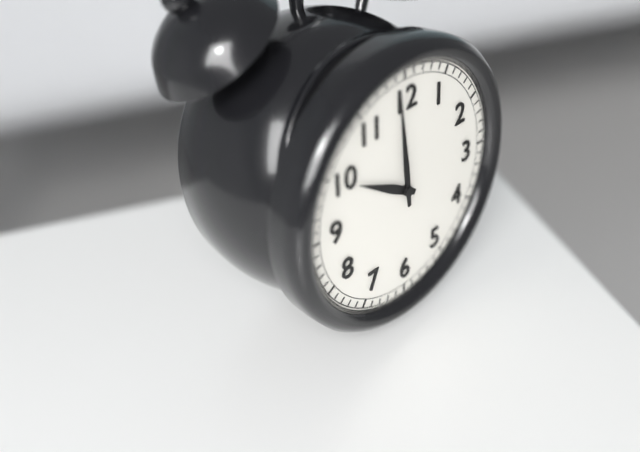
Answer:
9 h 59 min
